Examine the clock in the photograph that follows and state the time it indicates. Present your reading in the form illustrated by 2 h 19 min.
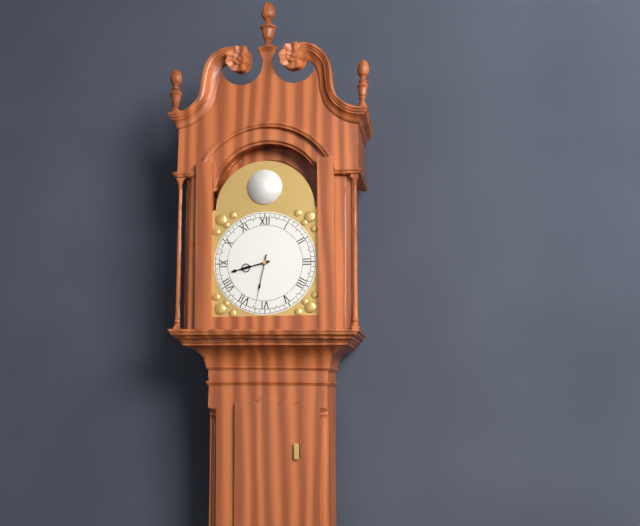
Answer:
8 h 32 min
